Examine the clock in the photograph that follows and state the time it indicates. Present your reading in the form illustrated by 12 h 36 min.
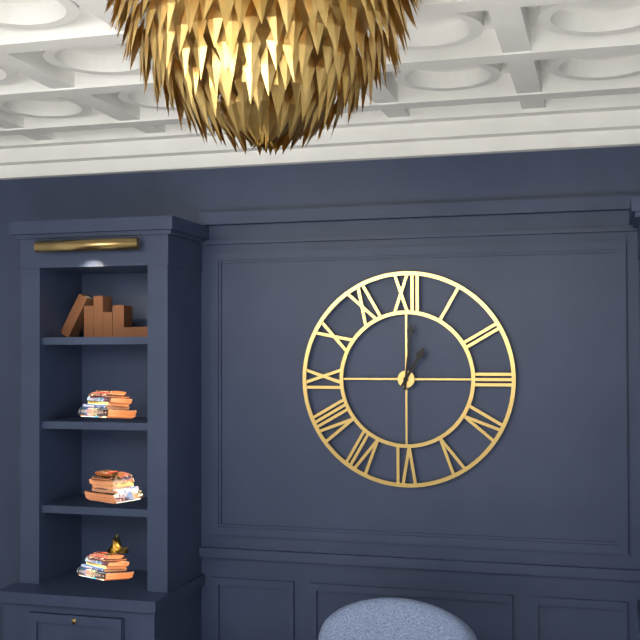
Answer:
1 h 01 min
